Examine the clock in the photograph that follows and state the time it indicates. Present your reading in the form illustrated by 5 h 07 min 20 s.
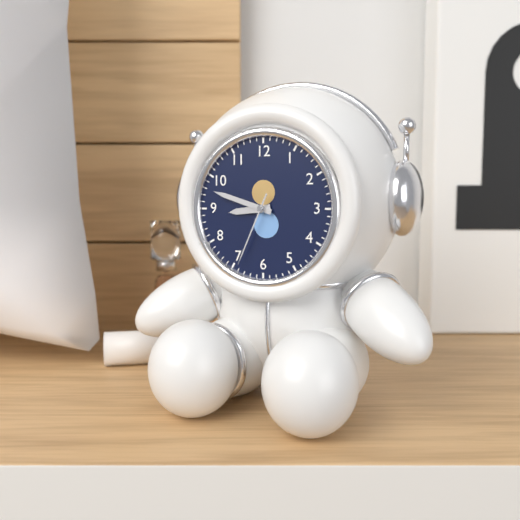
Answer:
8 h 48 min 34 s
